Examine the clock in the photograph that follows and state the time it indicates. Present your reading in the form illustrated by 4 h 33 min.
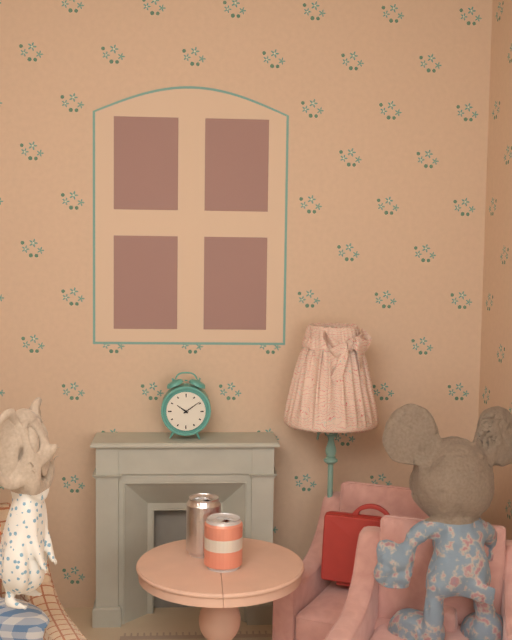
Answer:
10 h 09 min
